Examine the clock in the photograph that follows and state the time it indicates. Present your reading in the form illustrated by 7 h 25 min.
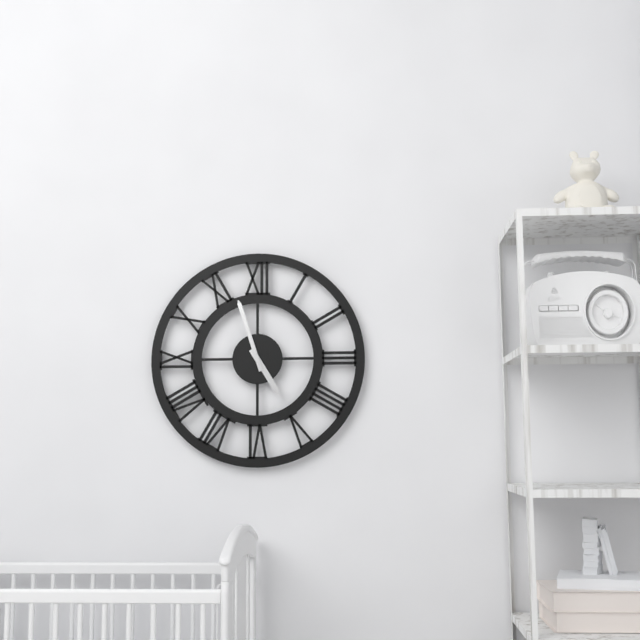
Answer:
4 h 57 min
